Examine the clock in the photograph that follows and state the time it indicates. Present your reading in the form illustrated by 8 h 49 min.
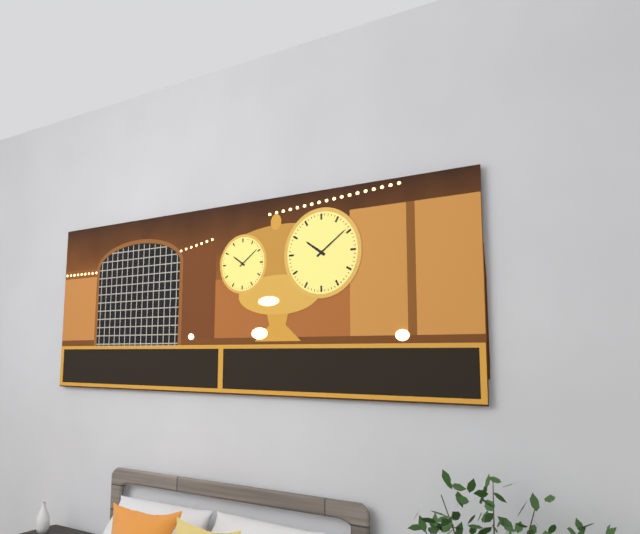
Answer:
10 h 09 min
